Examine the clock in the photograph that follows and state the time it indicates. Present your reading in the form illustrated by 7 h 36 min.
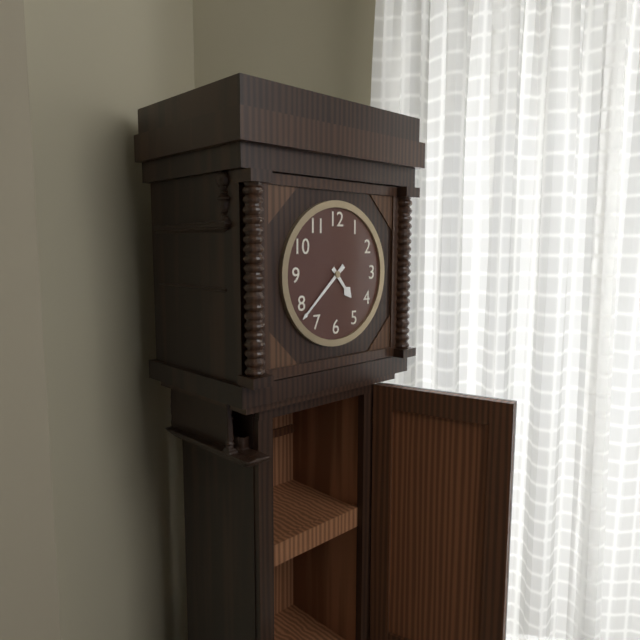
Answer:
4 h 38 min
